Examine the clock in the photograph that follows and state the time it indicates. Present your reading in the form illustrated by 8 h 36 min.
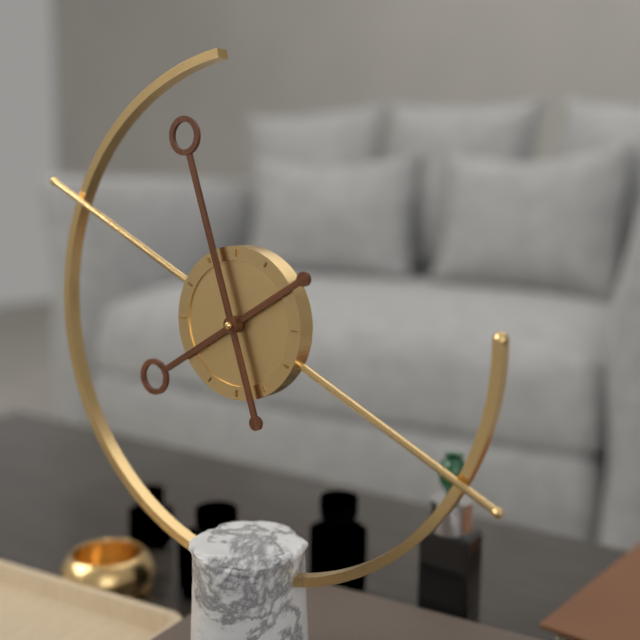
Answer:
7 h 57 min
